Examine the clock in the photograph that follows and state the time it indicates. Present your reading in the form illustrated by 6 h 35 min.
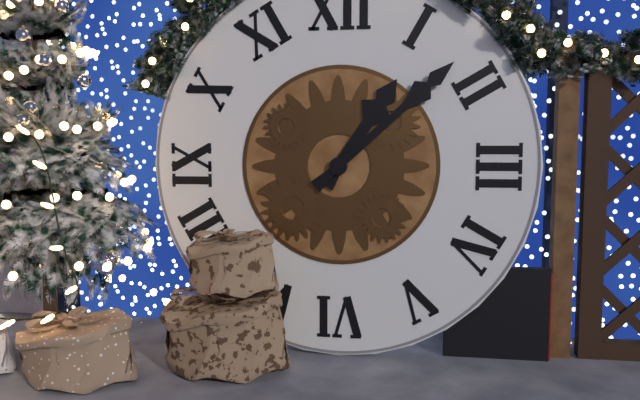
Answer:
1 h 08 min
